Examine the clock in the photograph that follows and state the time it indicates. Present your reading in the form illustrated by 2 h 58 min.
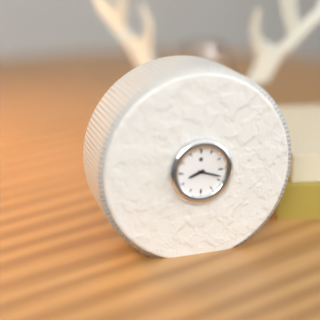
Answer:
8 h 18 min
